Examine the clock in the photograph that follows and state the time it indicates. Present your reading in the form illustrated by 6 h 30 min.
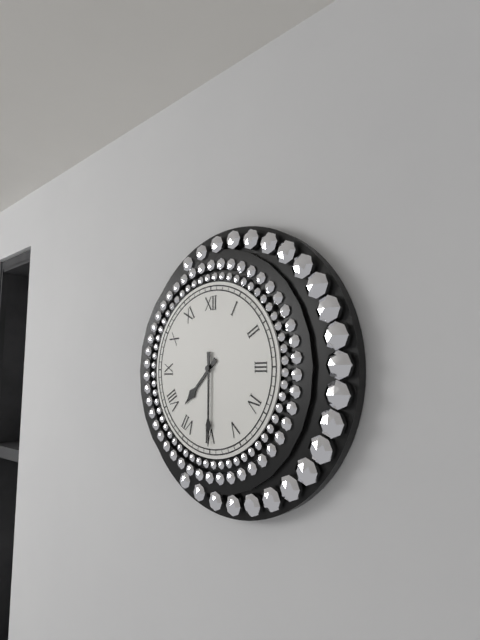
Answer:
7 h 30 min
